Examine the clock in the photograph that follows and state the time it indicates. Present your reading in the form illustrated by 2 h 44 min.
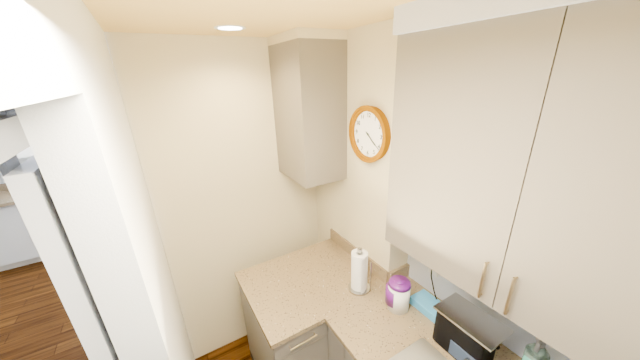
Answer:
4 h 21 min
